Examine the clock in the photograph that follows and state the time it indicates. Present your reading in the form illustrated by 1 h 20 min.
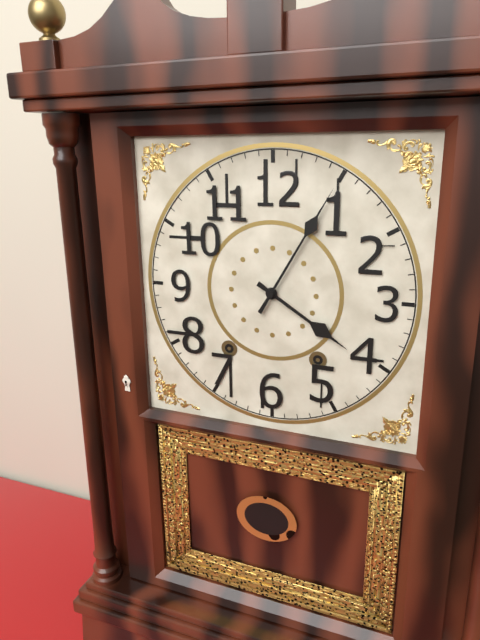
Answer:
4 h 05 min
